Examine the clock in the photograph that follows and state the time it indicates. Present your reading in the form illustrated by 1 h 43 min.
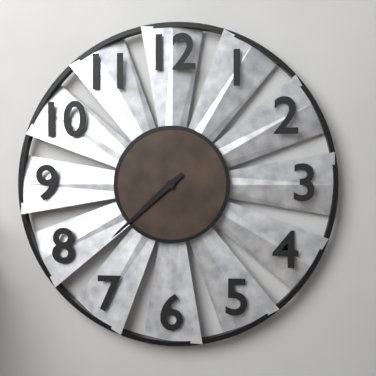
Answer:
7 h 38 min
